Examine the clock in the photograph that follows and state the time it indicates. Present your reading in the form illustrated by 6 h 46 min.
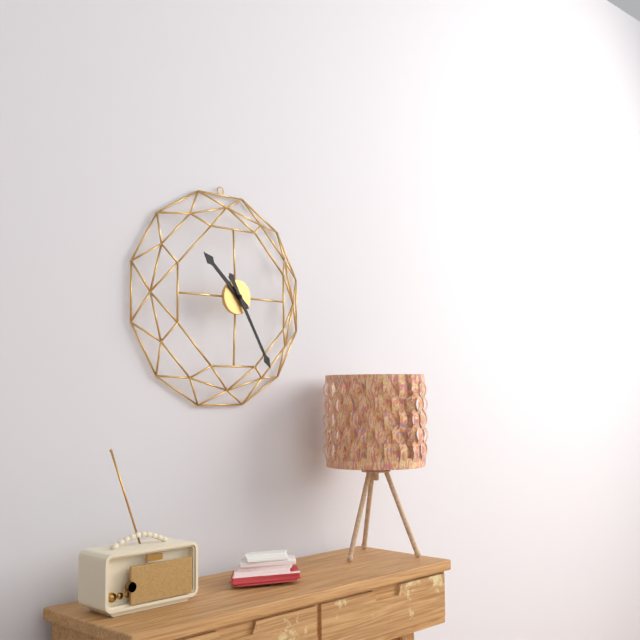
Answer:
10 h 25 min
